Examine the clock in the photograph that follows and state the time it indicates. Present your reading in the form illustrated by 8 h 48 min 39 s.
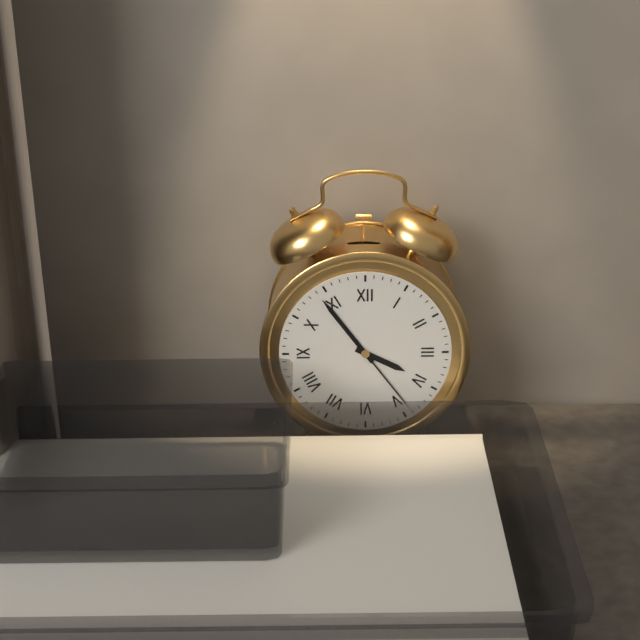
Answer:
3 h 54 min 24 s
